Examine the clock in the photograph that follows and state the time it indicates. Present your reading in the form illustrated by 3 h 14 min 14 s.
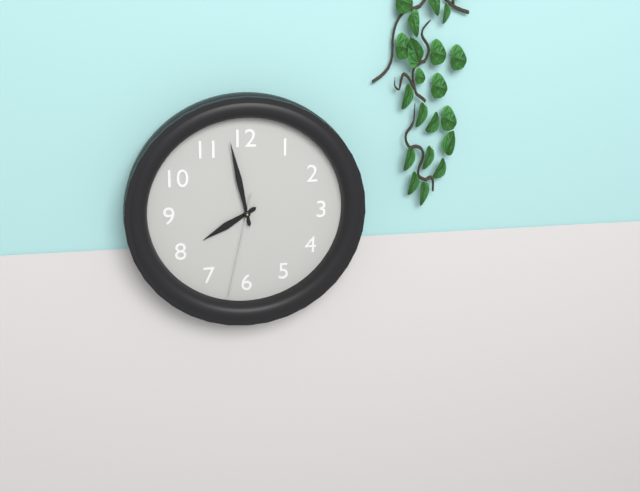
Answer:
7 h 58 min 32 s
